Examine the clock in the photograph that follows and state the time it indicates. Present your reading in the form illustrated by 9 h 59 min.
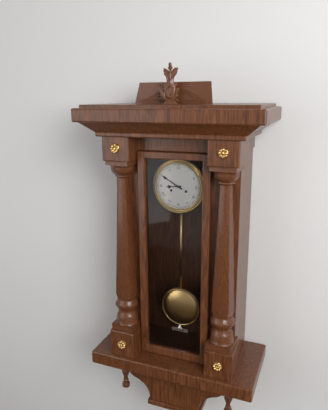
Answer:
8 h 50 min
